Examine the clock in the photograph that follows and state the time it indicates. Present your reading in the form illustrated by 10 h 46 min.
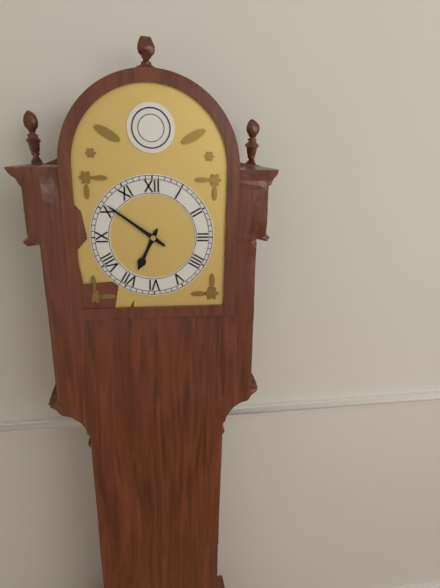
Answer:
6 h 51 min
